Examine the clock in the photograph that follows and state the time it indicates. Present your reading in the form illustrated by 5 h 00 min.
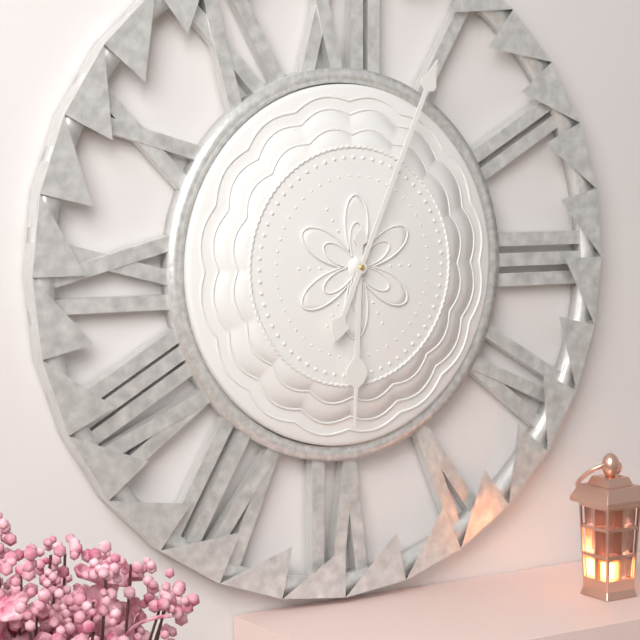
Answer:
6 h 04 min
